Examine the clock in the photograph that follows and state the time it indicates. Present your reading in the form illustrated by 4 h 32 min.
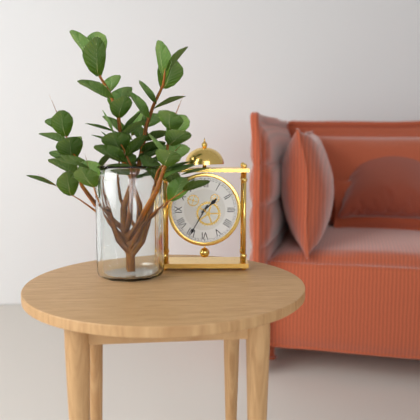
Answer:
1 h 35 min
